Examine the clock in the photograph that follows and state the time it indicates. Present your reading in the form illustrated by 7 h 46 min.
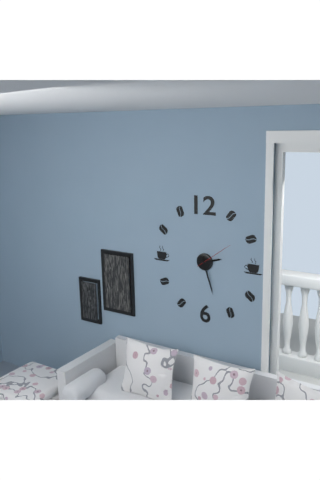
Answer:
2 h 27 min
